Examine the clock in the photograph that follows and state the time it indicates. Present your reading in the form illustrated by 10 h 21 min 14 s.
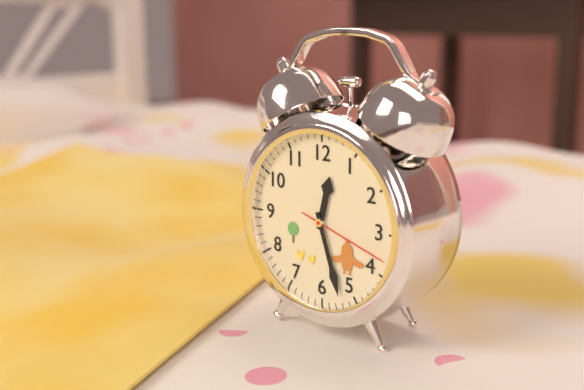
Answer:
12 h 27 min 18 s
